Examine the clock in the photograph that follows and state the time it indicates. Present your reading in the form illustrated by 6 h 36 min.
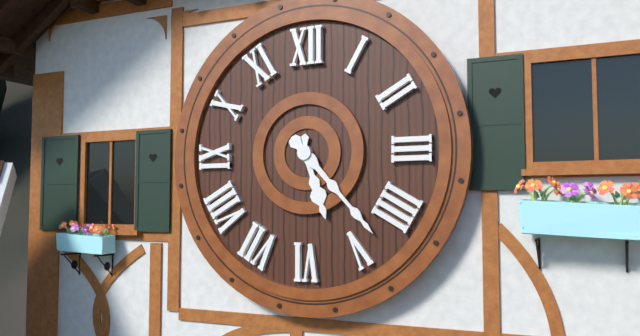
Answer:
5 h 23 min
